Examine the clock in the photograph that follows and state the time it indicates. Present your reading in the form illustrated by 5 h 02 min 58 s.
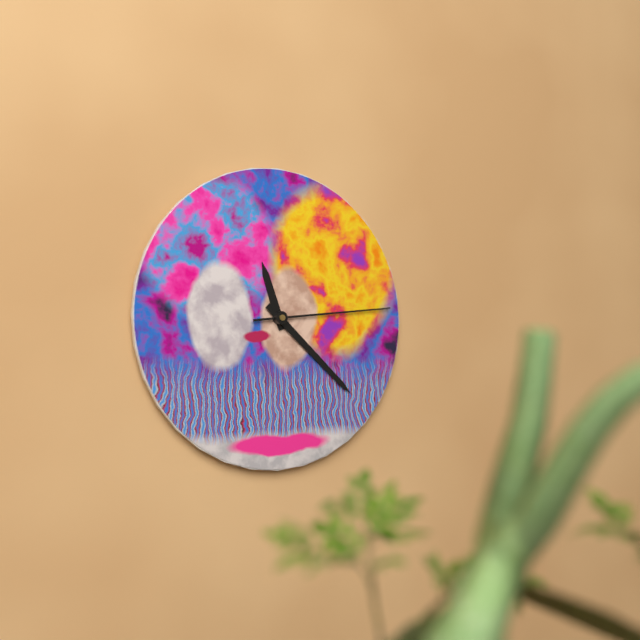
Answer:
11 h 22 min 14 s
